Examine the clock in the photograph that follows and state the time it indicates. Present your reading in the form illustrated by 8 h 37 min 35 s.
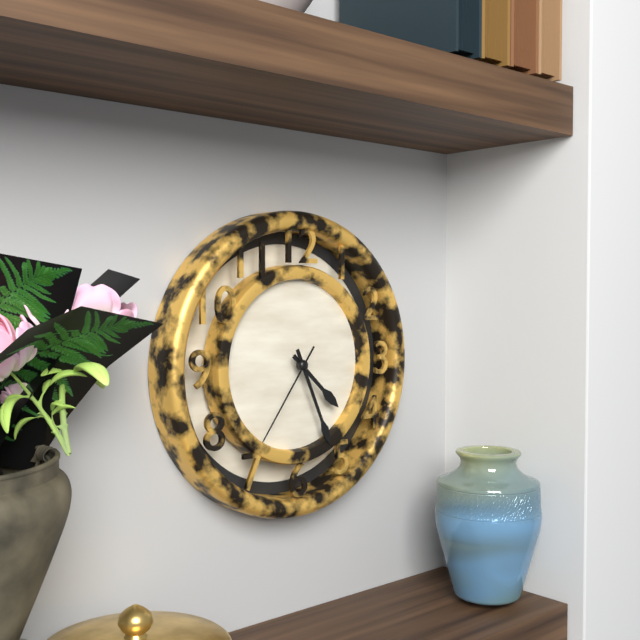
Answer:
4 h 26 min 36 s
